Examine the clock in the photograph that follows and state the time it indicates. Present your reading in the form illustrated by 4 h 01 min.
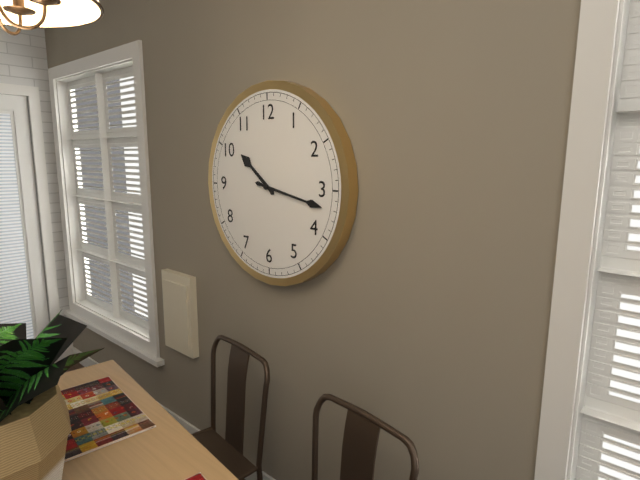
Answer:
10 h 17 min
